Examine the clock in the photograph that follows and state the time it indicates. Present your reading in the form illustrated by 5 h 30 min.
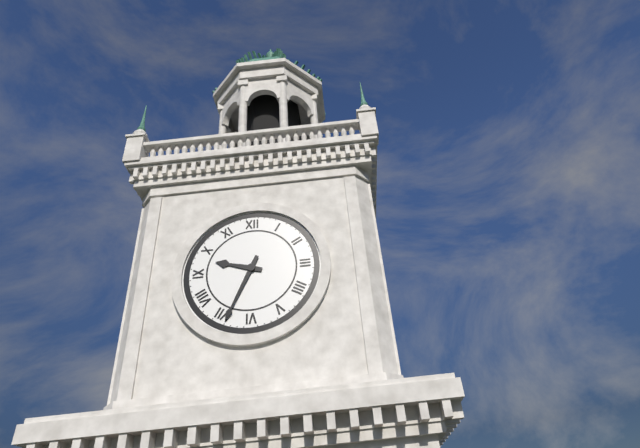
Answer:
9 h 34 min
